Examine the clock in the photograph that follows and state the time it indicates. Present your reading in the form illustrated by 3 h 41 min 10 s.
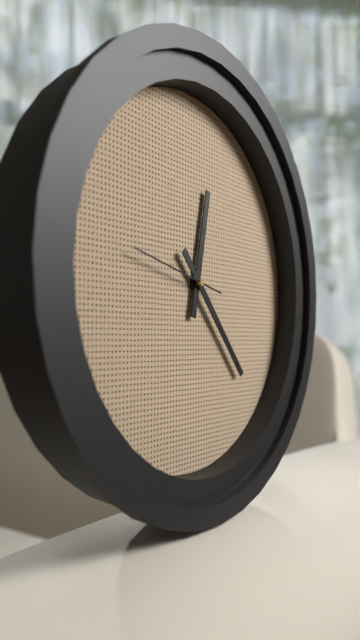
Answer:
12 h 23 min 47 s
